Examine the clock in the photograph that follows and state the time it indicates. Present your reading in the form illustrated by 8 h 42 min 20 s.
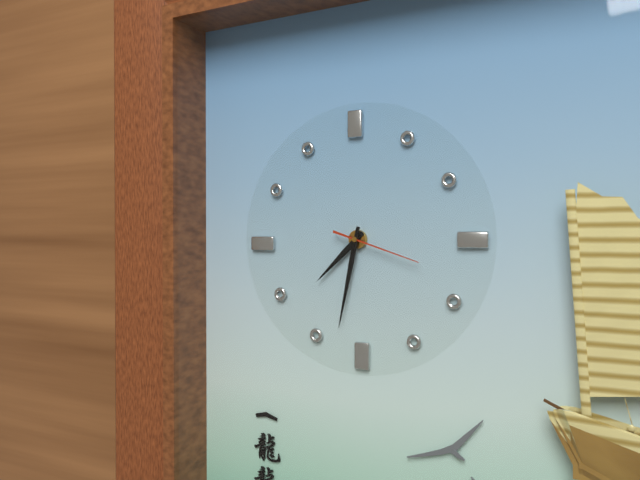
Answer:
7 h 32 min 18 s
